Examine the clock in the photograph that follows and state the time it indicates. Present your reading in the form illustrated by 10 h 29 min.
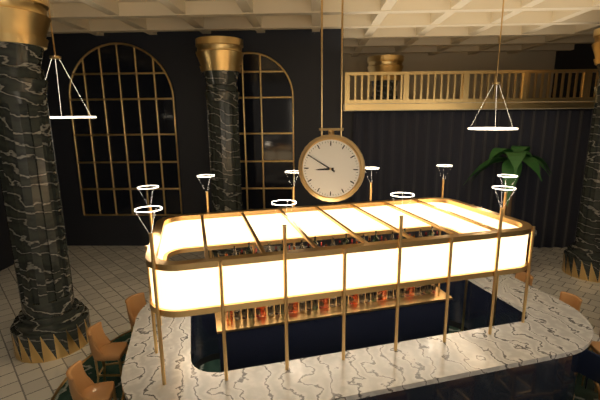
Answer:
8 h 50 min
